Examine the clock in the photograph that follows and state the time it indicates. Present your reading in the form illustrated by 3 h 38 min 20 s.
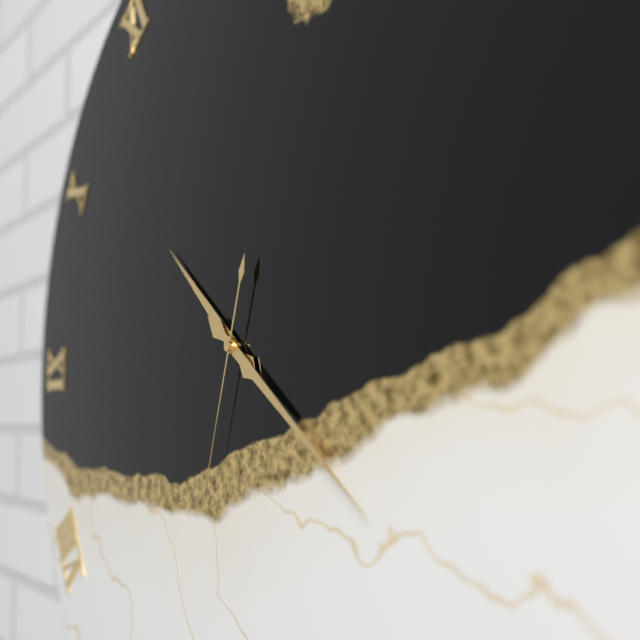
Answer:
10 h 21 min 33 s
